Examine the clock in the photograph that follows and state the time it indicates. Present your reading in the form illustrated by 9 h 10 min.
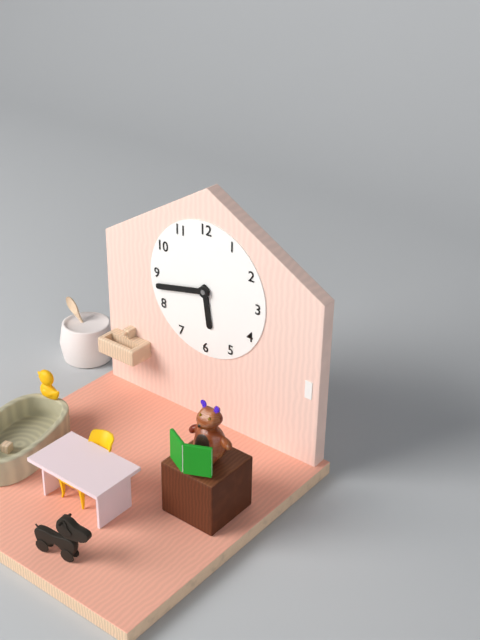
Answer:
5 h 43 min
